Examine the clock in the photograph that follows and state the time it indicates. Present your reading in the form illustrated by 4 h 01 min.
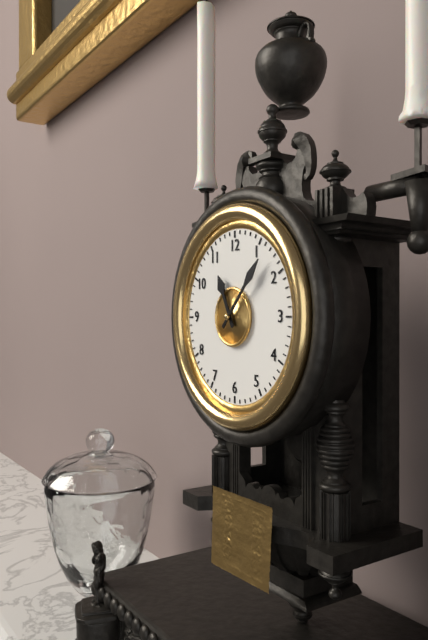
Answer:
11 h 07 min
